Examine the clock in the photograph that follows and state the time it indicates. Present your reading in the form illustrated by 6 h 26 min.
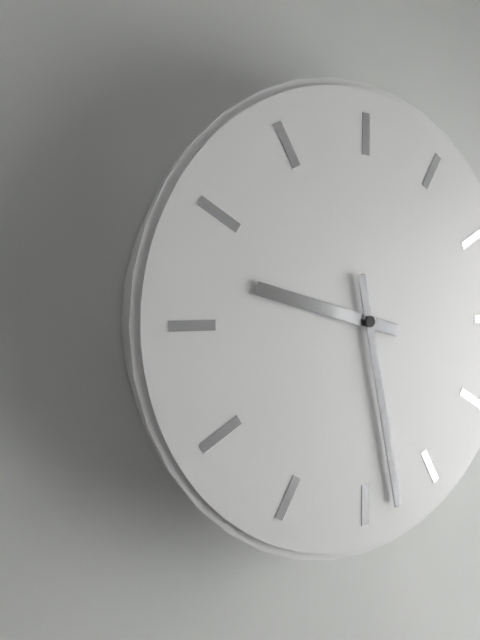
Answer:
9 h 28 min
